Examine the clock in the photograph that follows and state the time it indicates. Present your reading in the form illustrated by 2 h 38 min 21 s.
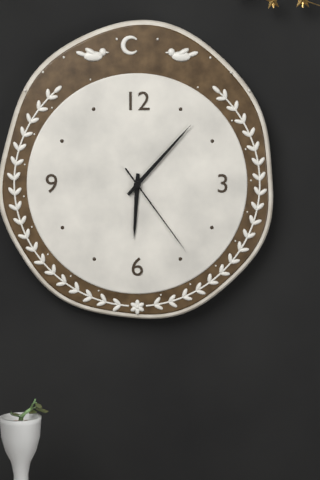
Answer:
6 h 07 min 24 s
